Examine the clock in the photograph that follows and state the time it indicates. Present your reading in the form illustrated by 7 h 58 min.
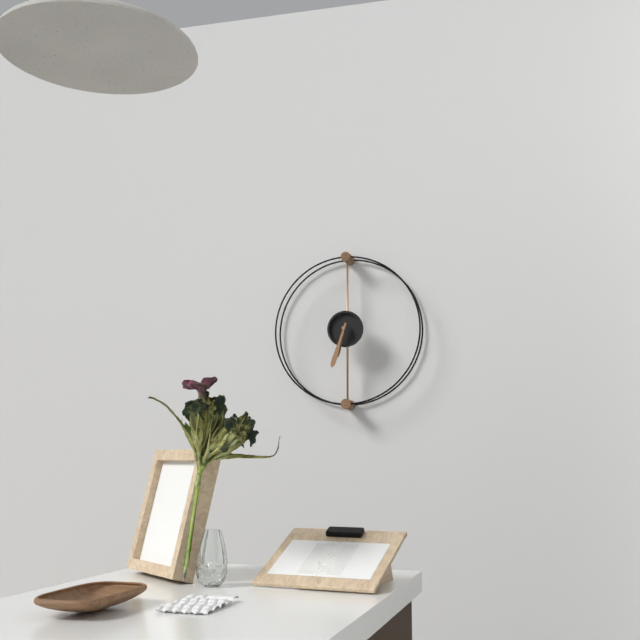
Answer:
6 h 33 min
